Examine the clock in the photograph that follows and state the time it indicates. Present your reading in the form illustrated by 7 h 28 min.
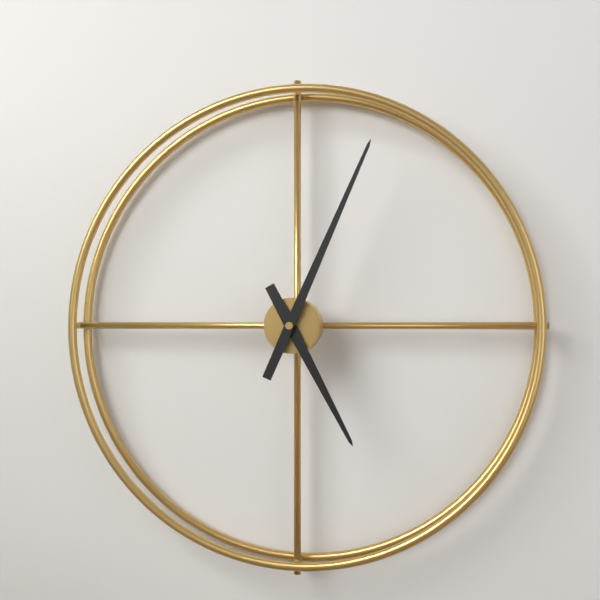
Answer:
5 h 04 min
